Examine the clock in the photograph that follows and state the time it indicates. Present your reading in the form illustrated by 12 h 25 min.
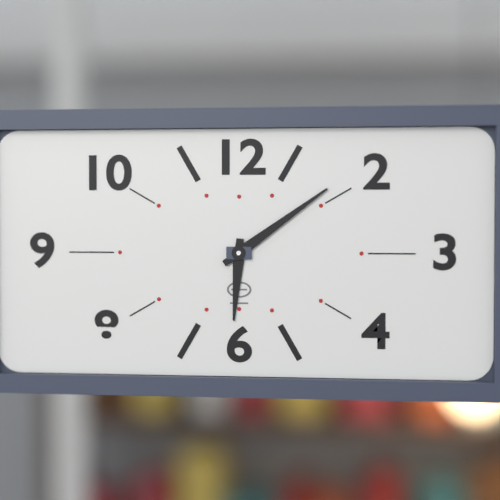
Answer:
6 h 09 min
